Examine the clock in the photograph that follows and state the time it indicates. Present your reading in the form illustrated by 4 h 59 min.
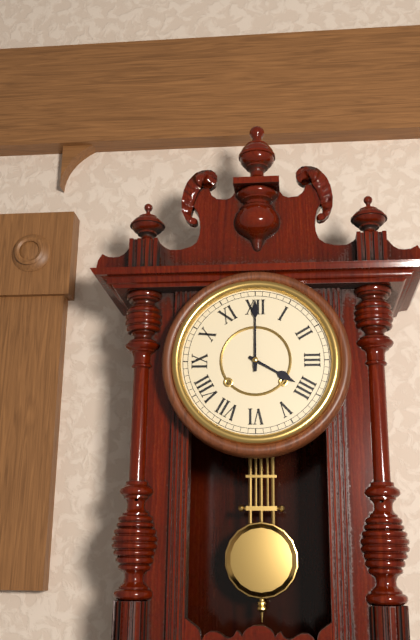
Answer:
4 h 00 min
